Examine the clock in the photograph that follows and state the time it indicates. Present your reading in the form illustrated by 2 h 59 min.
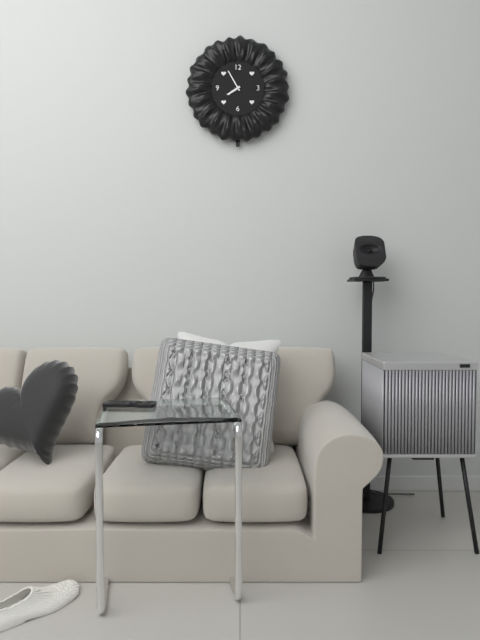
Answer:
7 h 55 min
